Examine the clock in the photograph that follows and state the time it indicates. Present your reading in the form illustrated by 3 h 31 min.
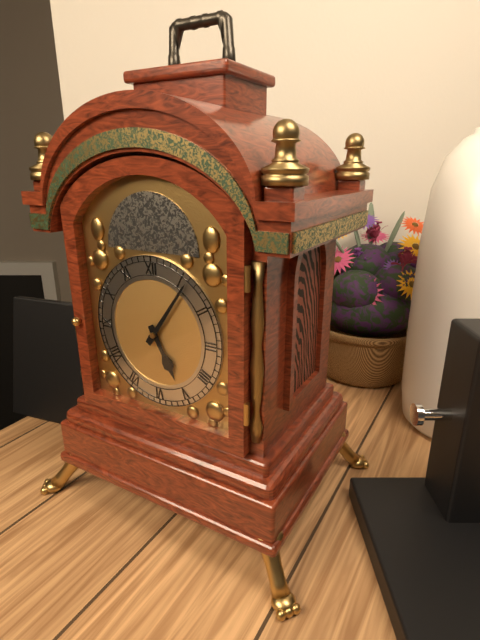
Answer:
5 h 06 min
